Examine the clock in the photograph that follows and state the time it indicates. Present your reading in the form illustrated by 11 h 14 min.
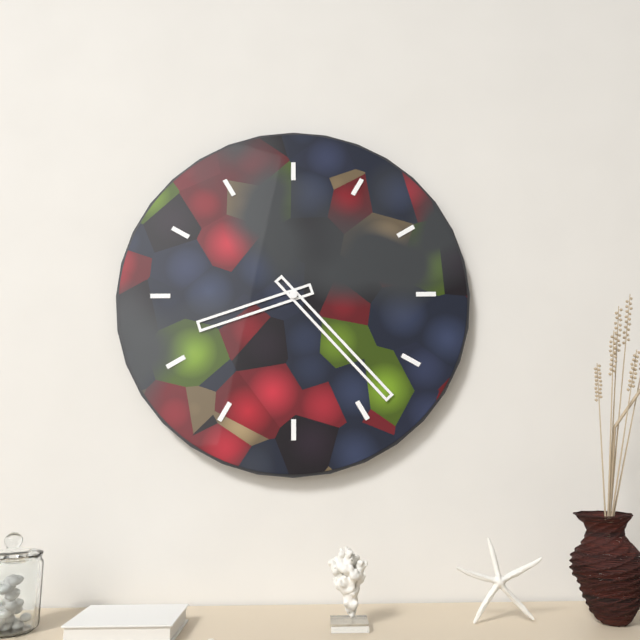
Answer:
8 h 23 min
